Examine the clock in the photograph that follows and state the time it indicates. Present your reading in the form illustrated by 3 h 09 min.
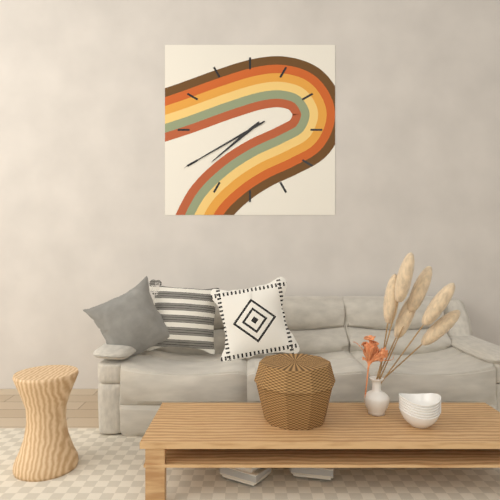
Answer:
7 h 40 min
